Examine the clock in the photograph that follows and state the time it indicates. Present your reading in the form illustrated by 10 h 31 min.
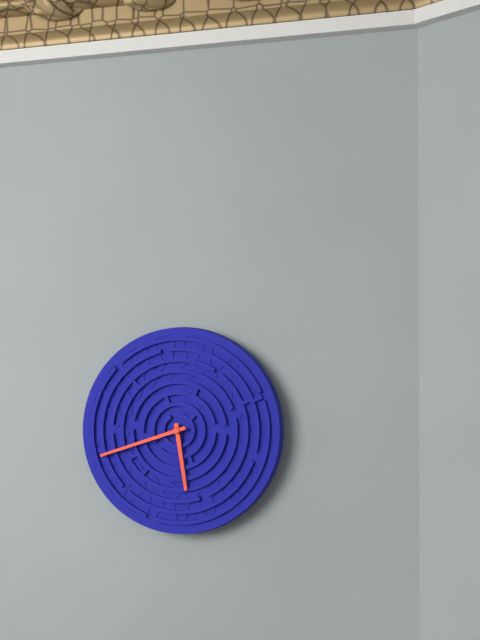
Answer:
5 h 42 min
